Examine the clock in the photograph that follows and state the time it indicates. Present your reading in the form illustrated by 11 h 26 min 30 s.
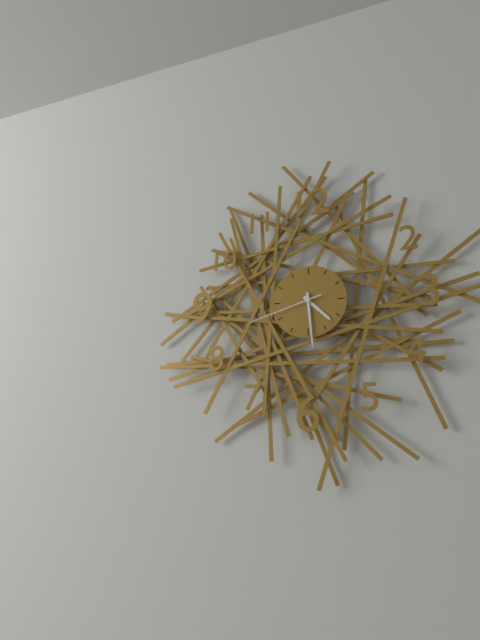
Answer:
4 h 29 min 42 s
